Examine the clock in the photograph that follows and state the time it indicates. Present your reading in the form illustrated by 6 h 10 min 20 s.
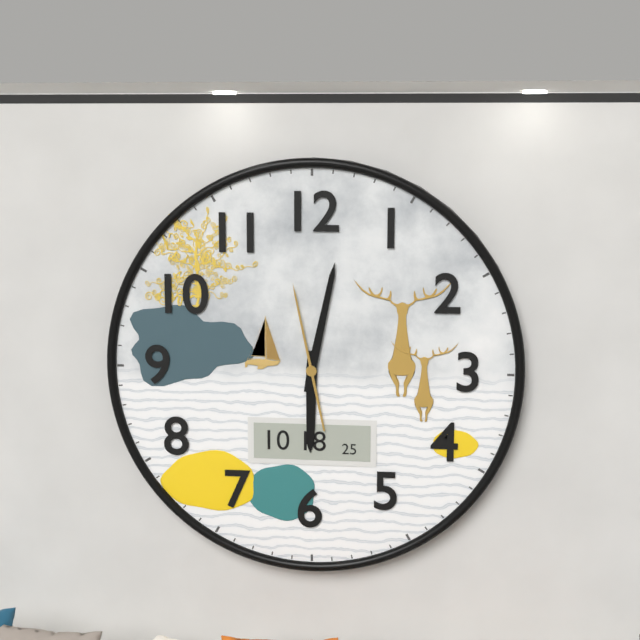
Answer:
6 h 02 min 58 s
